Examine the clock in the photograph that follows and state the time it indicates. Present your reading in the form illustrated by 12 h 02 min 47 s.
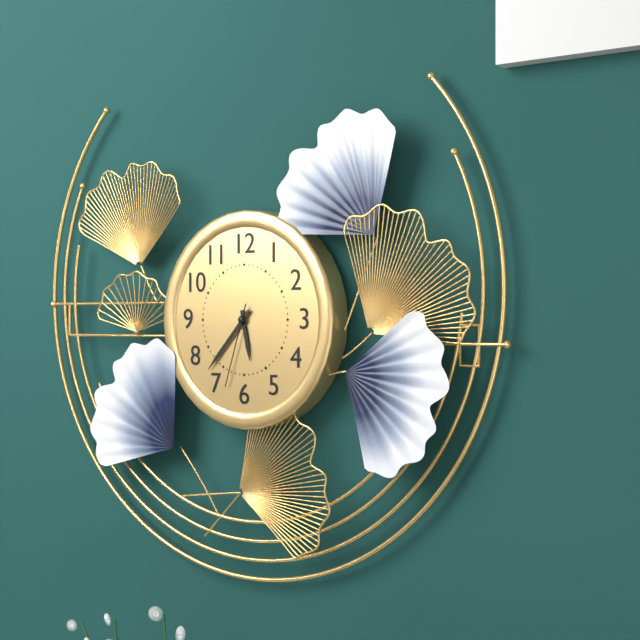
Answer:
5 h 37 min 33 s
